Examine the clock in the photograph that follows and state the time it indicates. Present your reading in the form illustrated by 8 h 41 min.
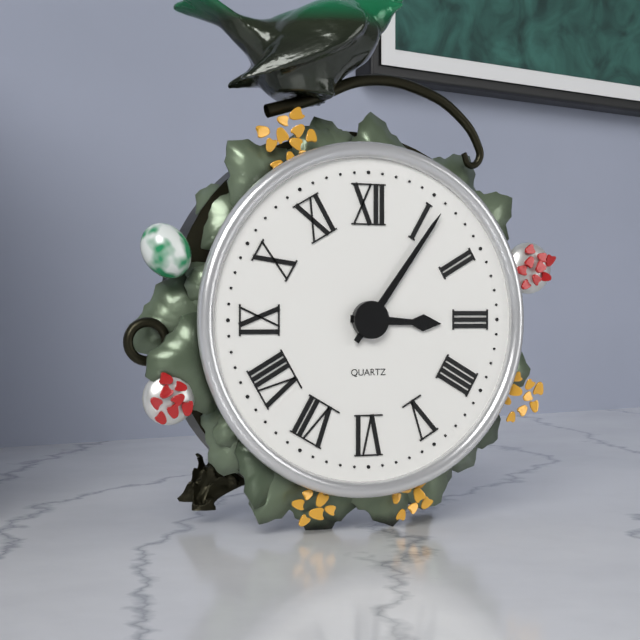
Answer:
3 h 06 min
